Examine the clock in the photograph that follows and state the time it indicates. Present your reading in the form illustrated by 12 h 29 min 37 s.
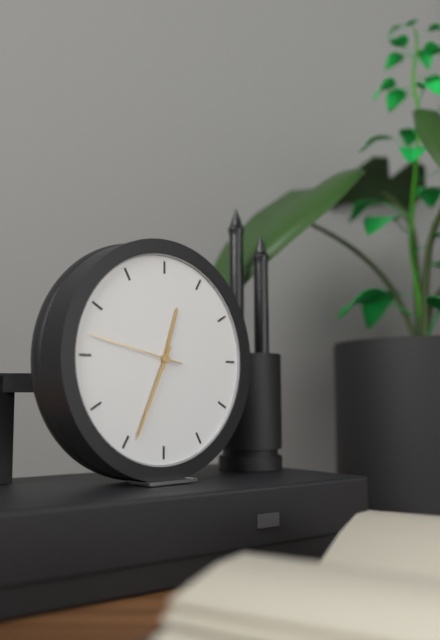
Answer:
12 h 34 min 47 s
